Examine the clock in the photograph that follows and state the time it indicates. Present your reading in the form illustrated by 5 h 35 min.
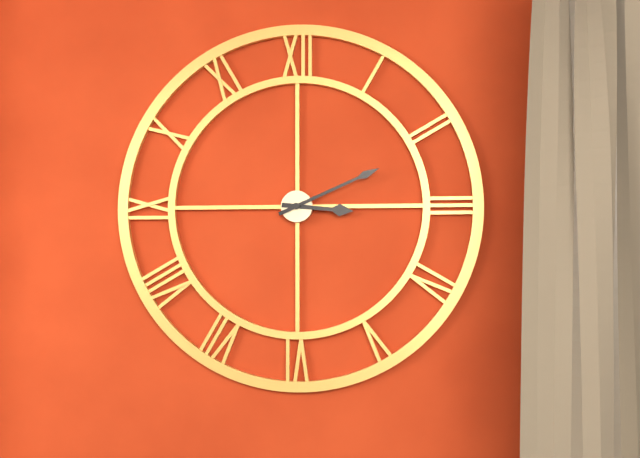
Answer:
3 h 11 min
